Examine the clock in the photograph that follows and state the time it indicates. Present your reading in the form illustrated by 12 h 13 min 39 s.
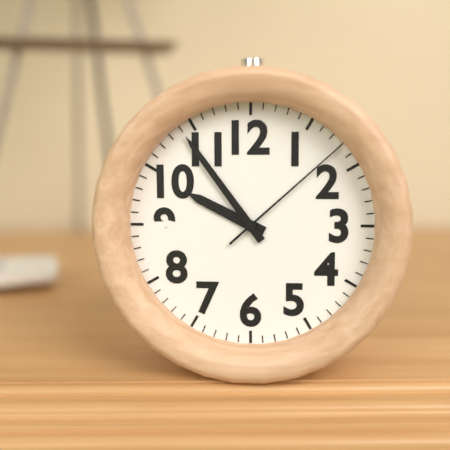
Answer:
9 h 54 min 08 s
